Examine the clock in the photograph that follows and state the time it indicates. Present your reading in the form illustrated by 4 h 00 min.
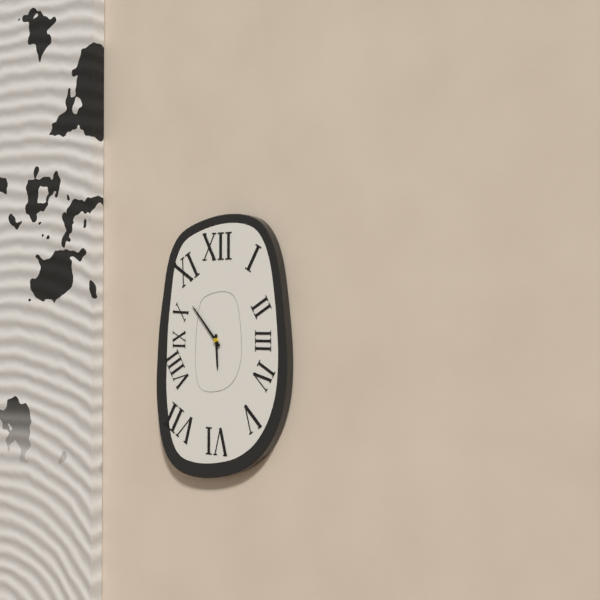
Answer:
5 h 53 min
